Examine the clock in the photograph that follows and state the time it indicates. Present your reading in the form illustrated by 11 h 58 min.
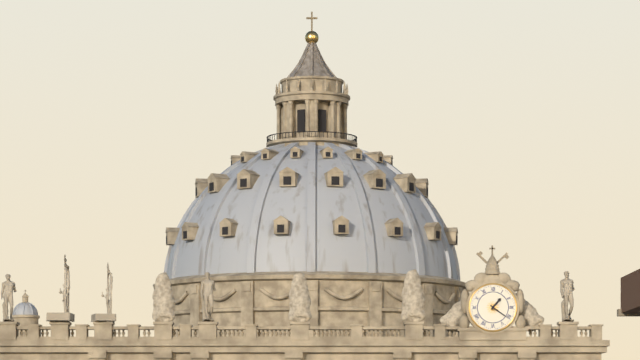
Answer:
1 h 21 min
